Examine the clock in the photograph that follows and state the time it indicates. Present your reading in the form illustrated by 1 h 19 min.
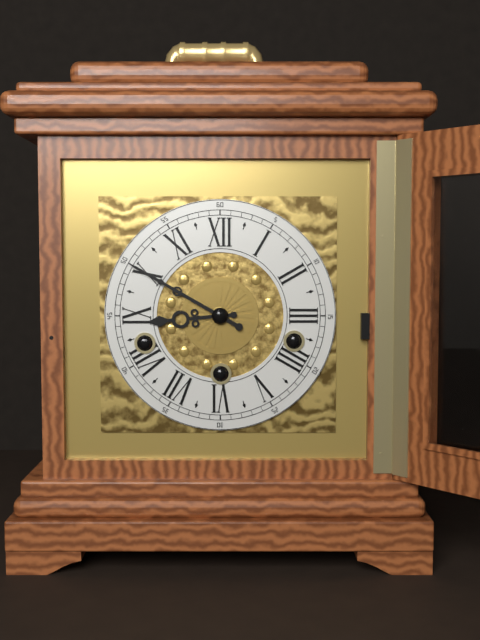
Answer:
8 h 50 min
